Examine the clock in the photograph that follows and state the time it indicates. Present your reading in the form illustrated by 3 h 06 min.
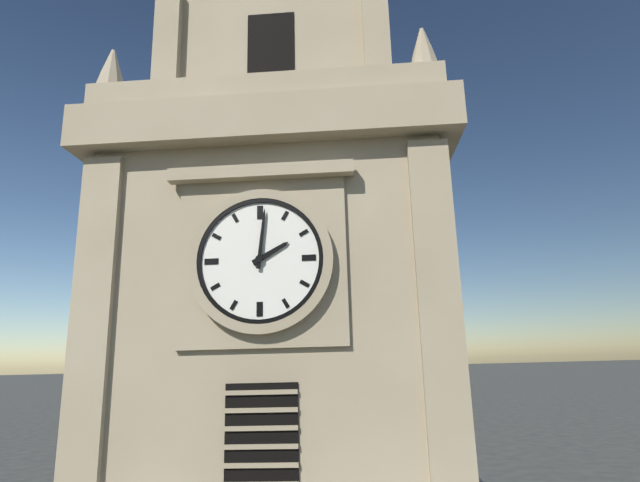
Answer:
2 h 01 min
